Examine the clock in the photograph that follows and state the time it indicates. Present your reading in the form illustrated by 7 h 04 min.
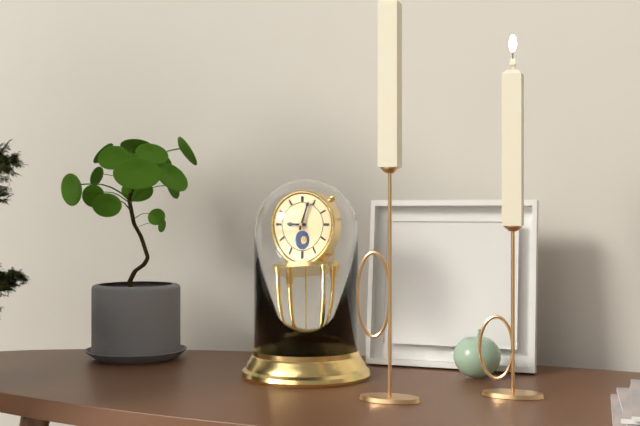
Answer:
9 h 03 min
